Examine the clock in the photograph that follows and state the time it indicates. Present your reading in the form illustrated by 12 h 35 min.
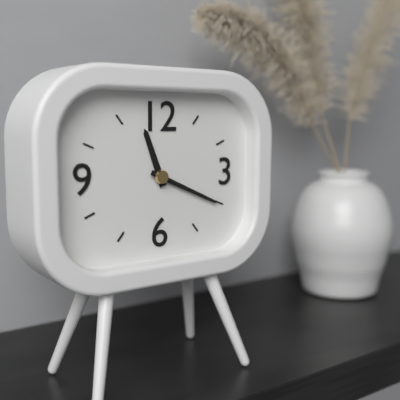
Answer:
11 h 19 min
